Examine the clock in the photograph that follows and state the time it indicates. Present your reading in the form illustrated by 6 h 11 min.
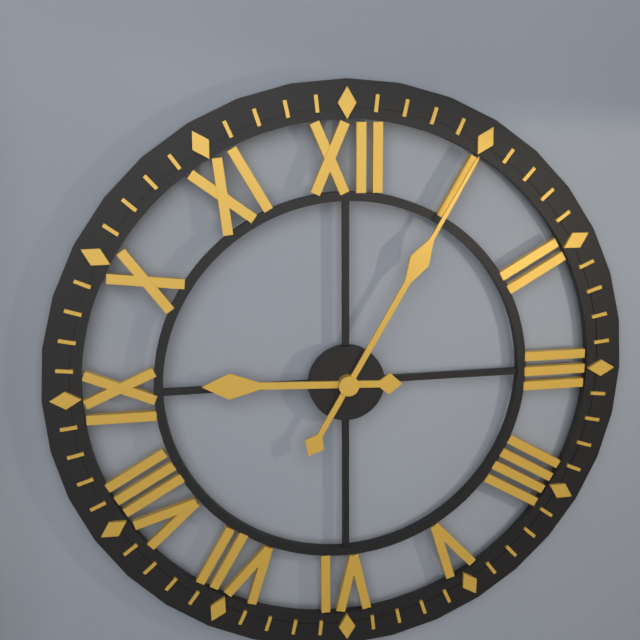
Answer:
9 h 05 min
